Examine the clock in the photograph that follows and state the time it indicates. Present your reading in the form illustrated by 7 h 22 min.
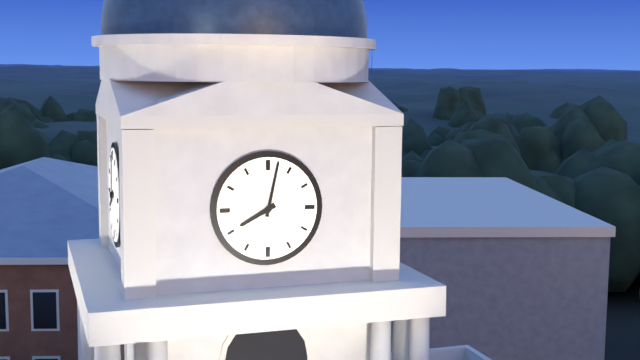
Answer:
8 h 02 min
